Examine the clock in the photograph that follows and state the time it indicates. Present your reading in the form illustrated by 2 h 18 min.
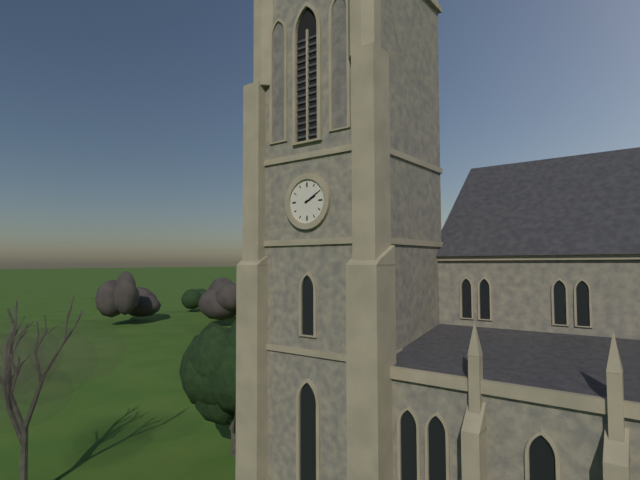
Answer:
2 h 10 min
